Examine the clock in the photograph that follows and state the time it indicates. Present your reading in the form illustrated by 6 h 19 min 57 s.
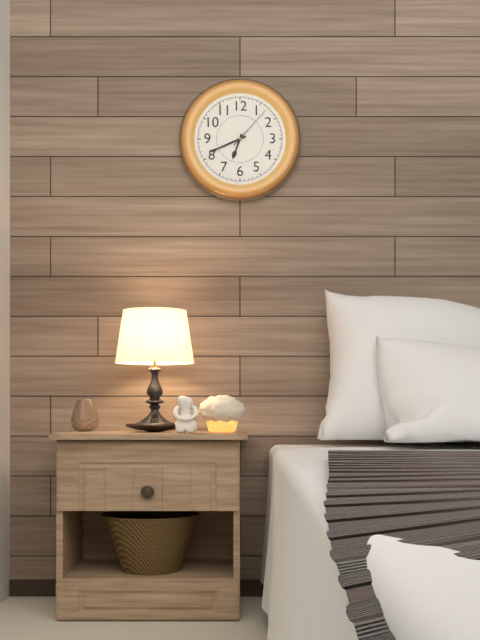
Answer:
6 h 41 min 07 s
